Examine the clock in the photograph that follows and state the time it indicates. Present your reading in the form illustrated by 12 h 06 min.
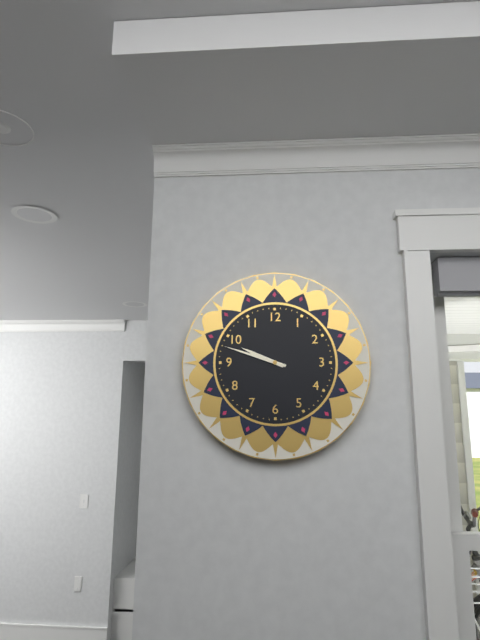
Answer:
9 h 48 min
